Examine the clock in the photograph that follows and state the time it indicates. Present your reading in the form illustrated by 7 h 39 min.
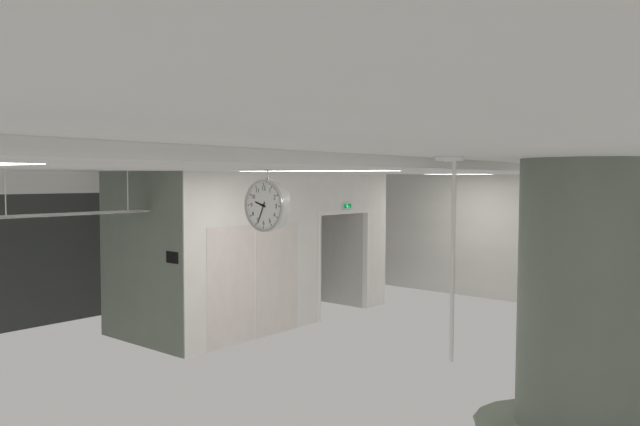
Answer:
9 h 34 min
